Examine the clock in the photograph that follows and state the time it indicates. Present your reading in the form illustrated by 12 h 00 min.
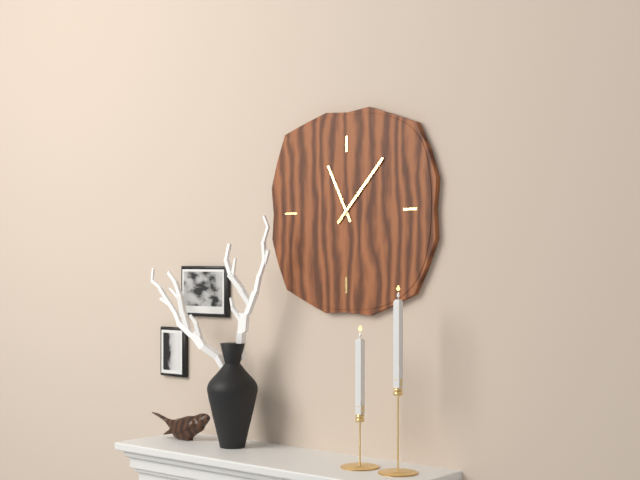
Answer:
11 h 07 min
